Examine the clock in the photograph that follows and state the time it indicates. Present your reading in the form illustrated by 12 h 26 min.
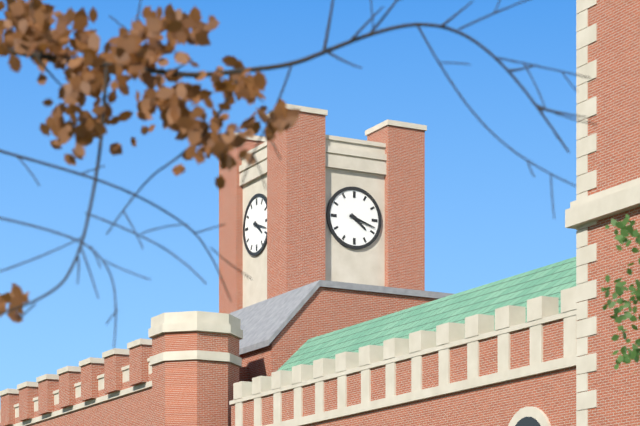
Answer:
4 h 18 min
